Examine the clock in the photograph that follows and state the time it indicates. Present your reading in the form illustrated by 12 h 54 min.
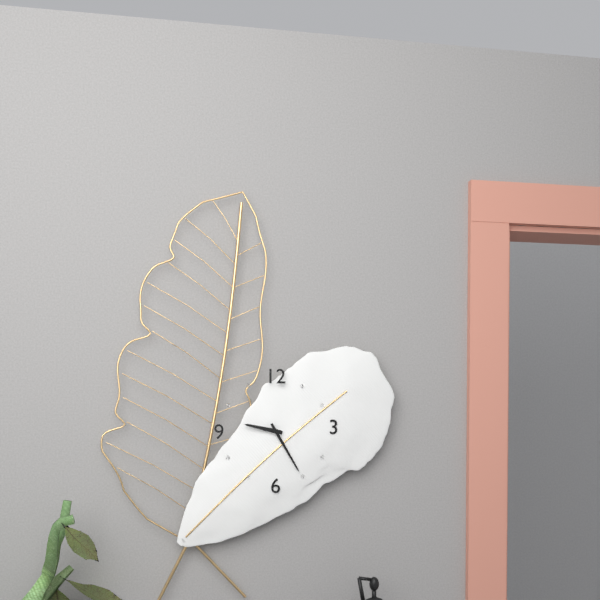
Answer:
9 h 25 min
